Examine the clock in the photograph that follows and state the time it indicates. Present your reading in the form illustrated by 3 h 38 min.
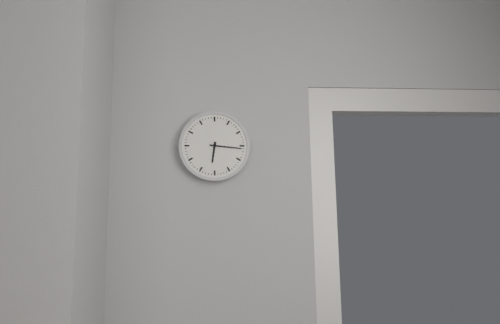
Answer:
6 h 16 min
